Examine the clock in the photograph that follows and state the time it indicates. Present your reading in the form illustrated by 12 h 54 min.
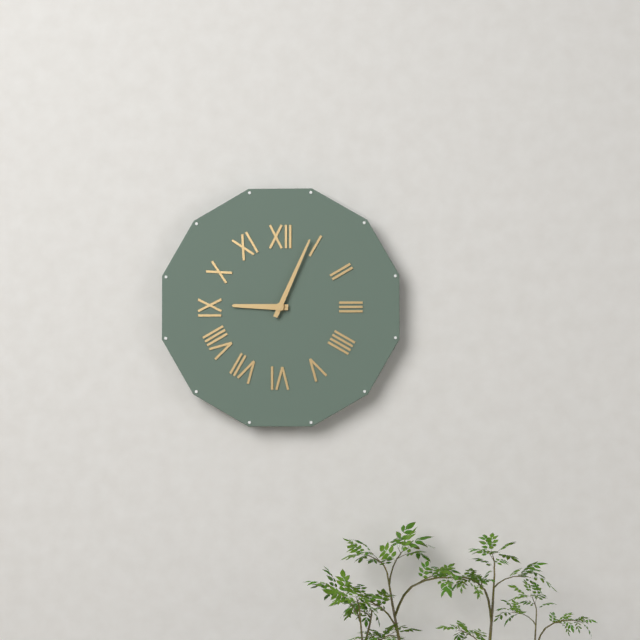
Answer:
9 h 04 min
